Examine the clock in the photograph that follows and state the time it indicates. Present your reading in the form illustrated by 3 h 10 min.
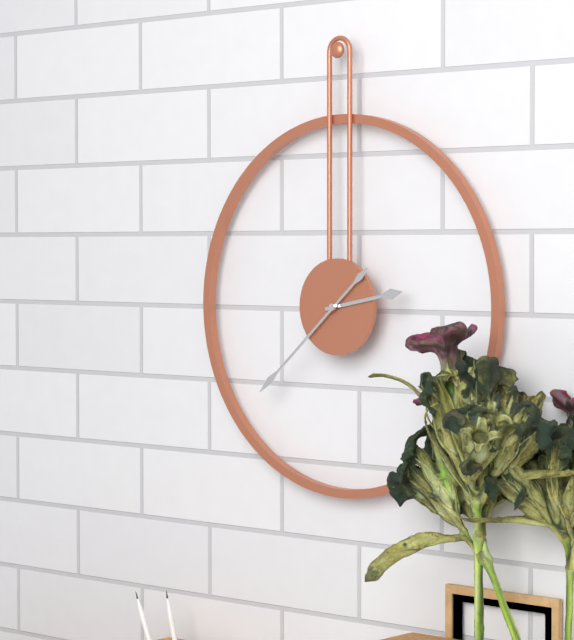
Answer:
2 h 38 min
